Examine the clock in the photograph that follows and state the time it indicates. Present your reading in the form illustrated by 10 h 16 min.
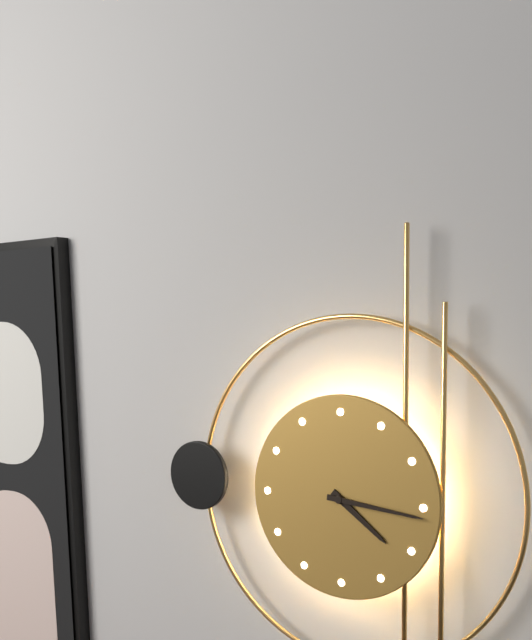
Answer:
4 h 16 min
